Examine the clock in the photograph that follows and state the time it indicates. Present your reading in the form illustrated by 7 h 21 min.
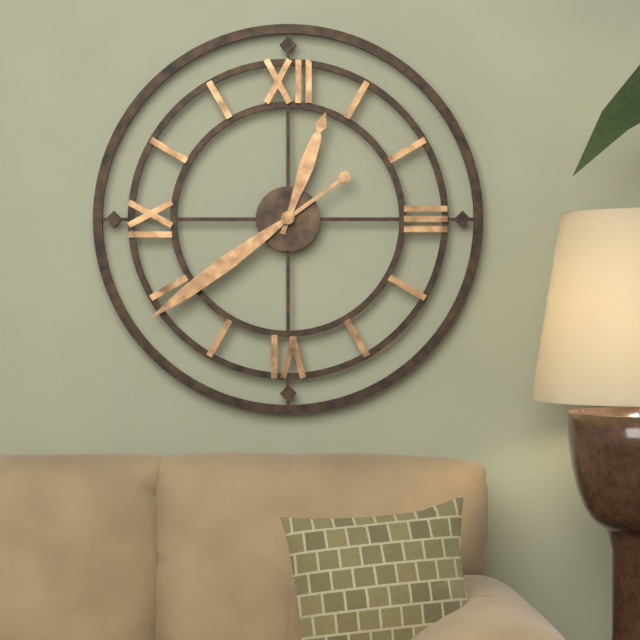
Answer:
12 h 39 min
